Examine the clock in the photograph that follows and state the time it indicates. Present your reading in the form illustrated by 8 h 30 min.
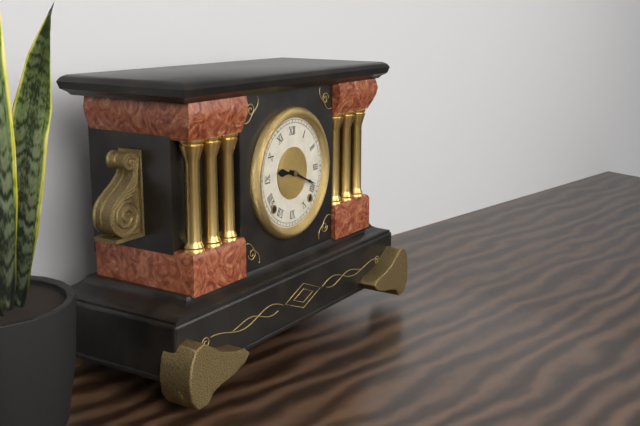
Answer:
9 h 19 min
